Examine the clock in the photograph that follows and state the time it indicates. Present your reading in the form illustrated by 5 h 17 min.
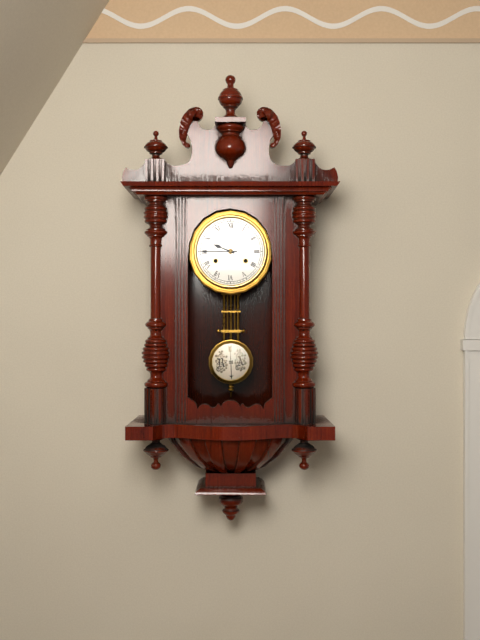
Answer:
9 h 45 min
